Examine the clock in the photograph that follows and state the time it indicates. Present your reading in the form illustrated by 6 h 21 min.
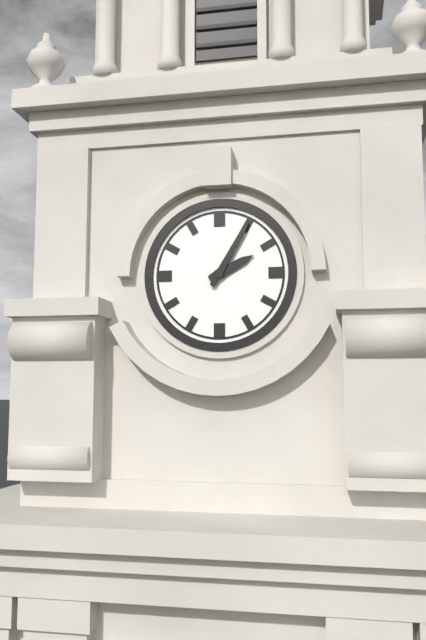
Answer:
2 h 05 min
